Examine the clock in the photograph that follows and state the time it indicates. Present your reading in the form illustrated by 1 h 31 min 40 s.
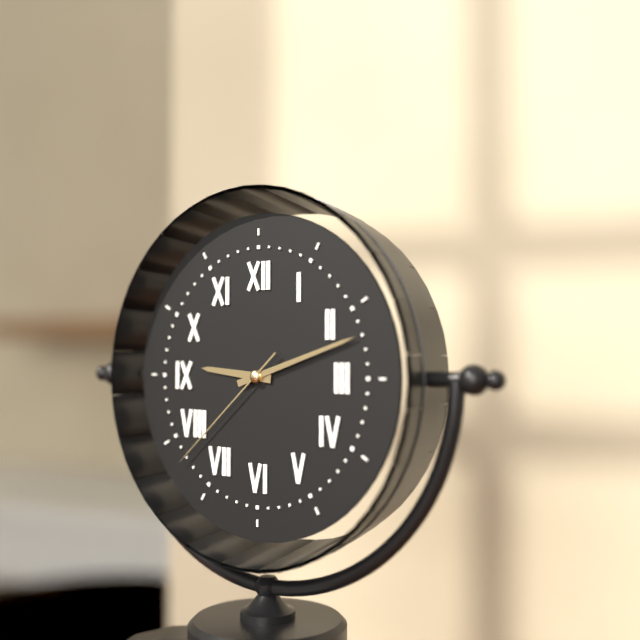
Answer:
9 h 12 min 38 s
